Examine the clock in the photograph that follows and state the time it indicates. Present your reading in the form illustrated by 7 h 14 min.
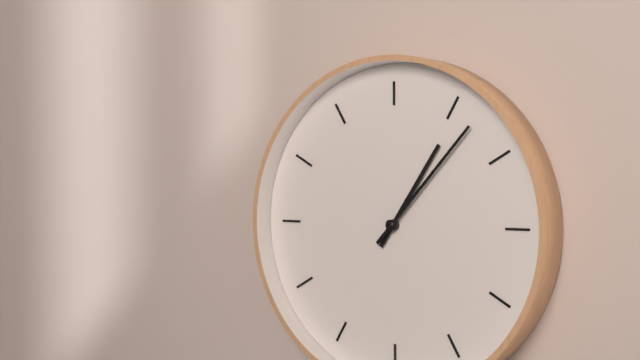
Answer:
1 h 07 min
